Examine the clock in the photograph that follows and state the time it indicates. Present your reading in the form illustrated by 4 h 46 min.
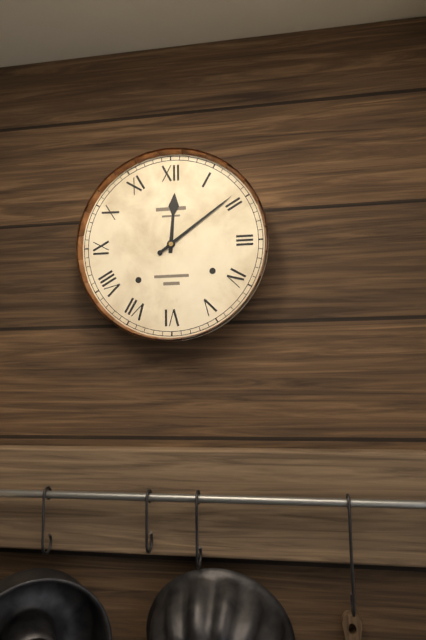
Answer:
12 h 09 min
